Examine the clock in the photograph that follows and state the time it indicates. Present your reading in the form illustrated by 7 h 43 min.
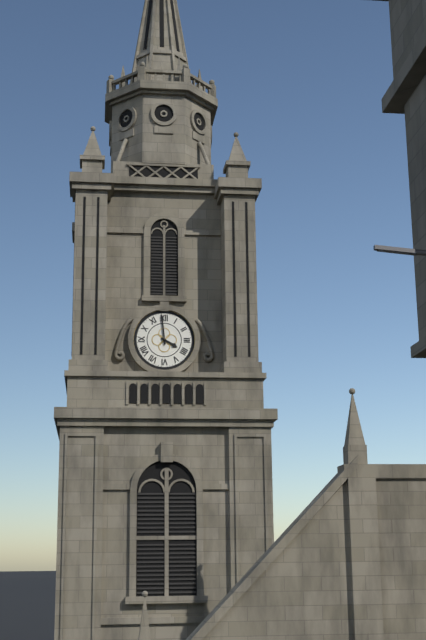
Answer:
3 h 59 min
